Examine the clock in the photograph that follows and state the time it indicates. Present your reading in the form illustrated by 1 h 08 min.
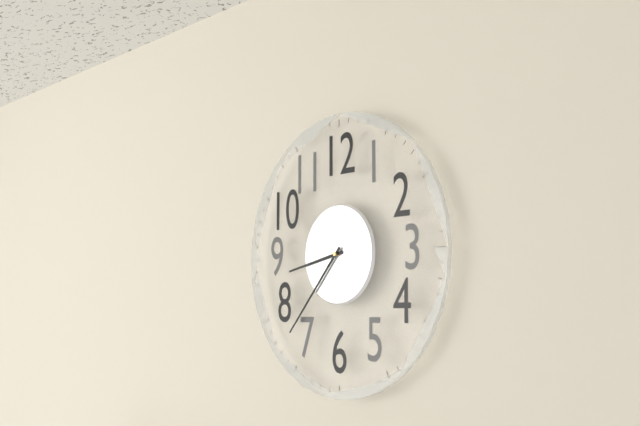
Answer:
8 h 37 min
